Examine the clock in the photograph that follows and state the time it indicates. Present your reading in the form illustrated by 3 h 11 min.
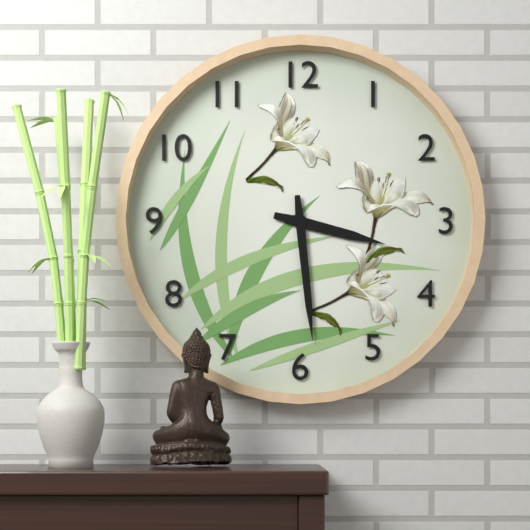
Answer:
3 h 29 min
